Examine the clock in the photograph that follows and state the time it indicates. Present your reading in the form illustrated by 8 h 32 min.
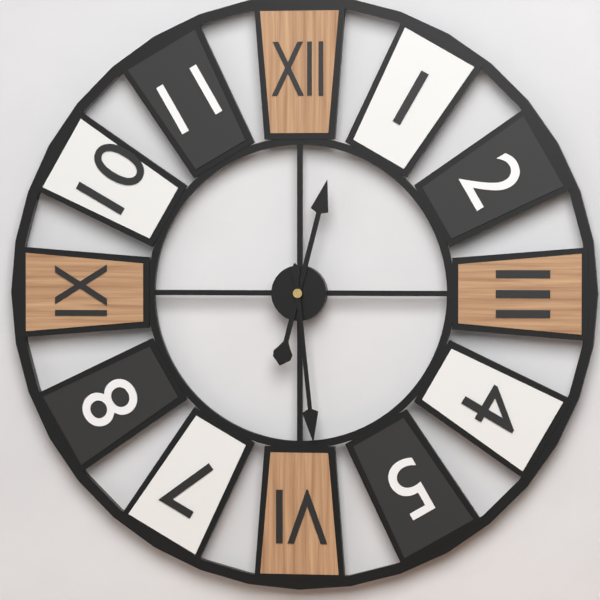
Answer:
12 h 29 min
